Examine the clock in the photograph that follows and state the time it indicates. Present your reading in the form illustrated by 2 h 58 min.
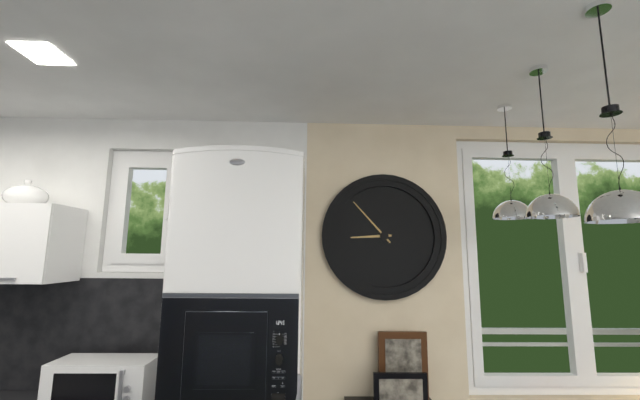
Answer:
8 h 53 min
